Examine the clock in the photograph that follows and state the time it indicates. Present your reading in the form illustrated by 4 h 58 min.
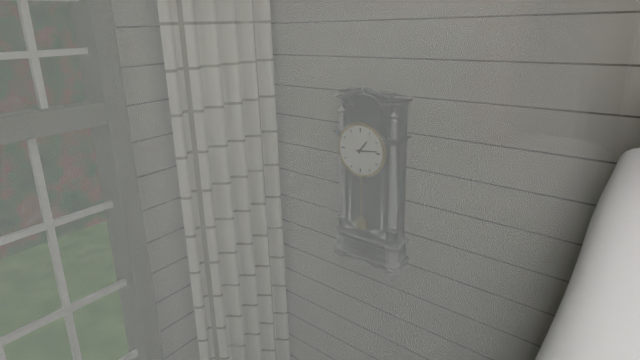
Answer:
1 h 14 min
